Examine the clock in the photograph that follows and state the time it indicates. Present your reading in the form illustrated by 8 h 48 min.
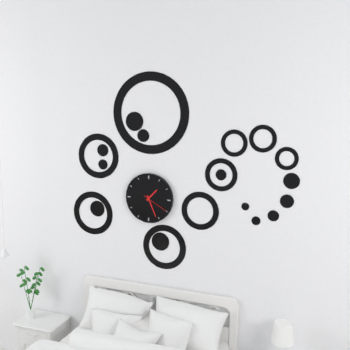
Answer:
1 h 26 min
